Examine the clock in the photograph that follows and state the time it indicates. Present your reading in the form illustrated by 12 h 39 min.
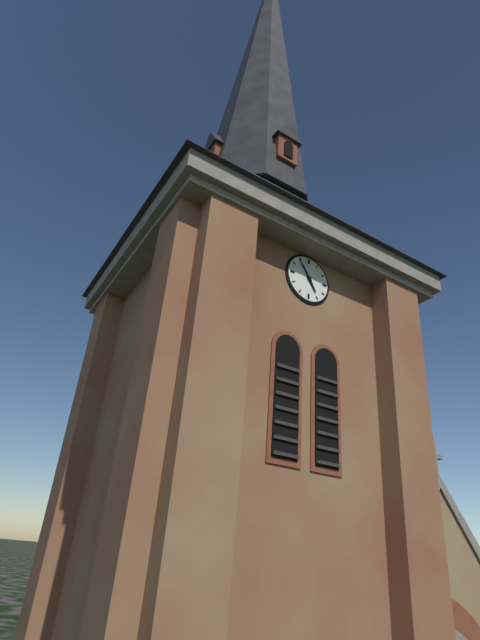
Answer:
4 h 54 min
